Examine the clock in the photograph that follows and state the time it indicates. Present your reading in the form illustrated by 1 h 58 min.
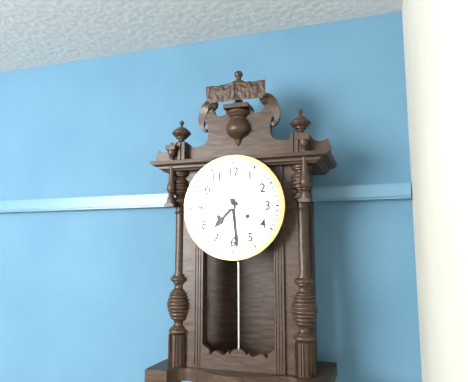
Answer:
7 h 29 min
